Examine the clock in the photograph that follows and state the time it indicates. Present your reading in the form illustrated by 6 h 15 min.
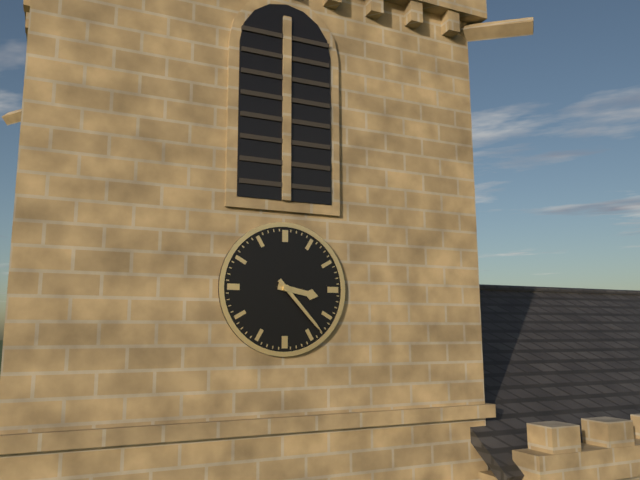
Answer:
3 h 23 min
